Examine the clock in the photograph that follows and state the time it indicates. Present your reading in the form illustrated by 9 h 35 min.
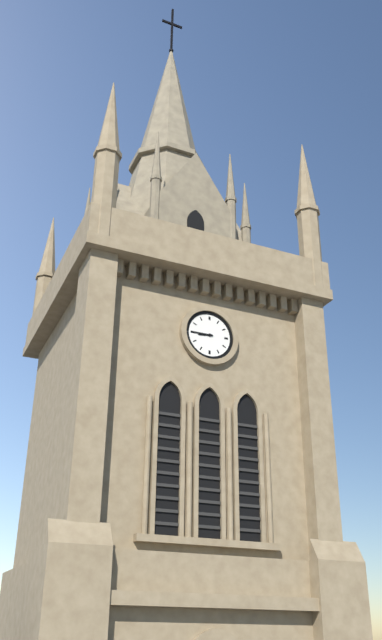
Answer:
8 h 45 min
